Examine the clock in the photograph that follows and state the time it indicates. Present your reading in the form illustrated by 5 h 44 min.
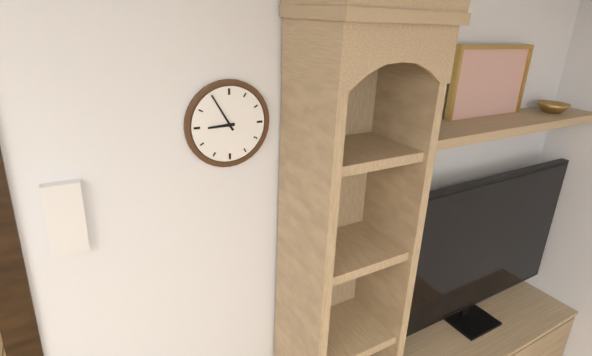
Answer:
8 h 55 min
